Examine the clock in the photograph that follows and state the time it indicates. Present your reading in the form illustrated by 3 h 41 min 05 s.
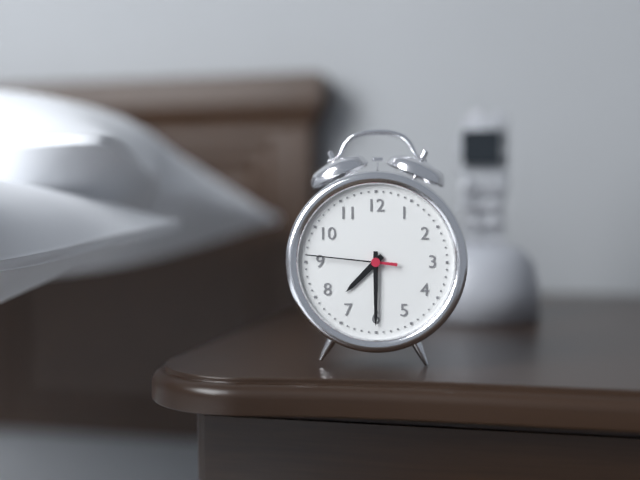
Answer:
7 h 30 min 46 s
